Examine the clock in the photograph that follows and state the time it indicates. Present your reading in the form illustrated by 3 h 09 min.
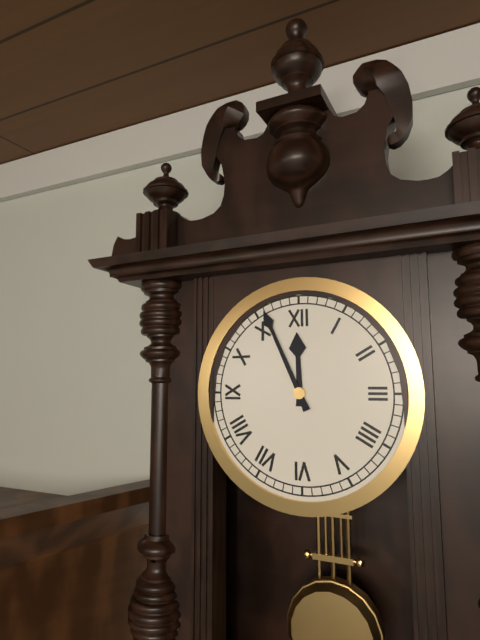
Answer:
11 h 56 min
